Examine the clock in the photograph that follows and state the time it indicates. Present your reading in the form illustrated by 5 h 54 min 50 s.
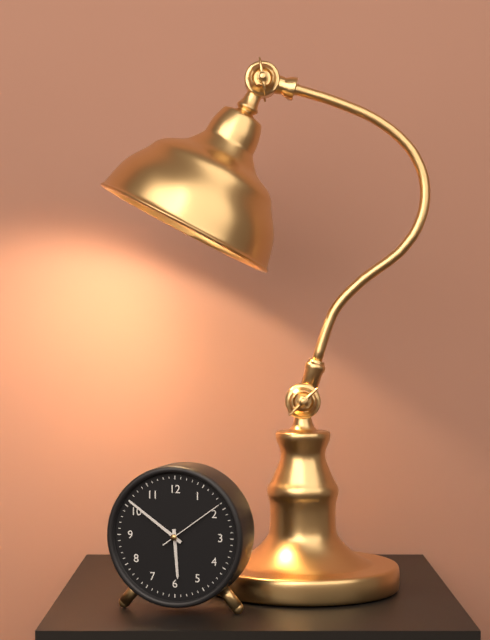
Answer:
5 h 51 min 09 s
